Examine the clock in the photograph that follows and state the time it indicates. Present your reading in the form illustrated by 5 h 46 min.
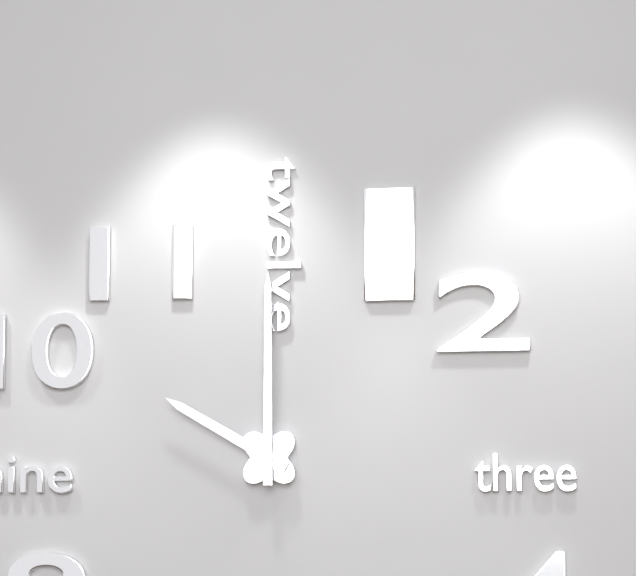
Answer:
10 h 00 min
